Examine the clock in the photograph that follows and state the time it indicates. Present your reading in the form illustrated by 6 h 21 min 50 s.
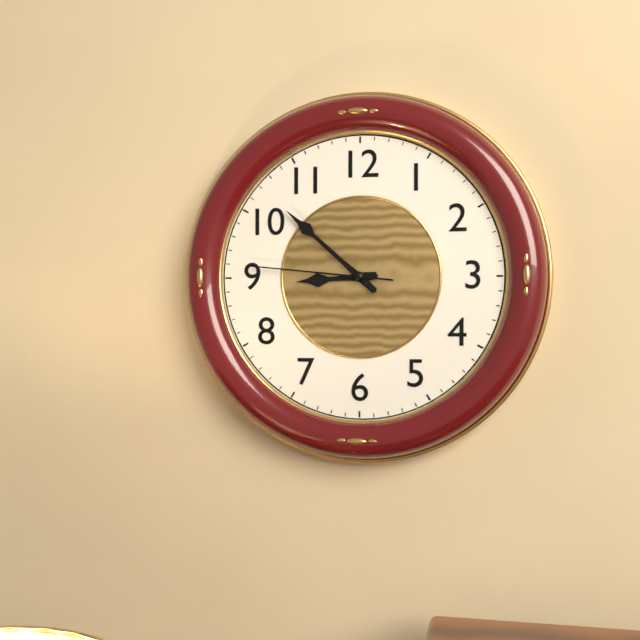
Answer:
8 h 52 min 46 s
